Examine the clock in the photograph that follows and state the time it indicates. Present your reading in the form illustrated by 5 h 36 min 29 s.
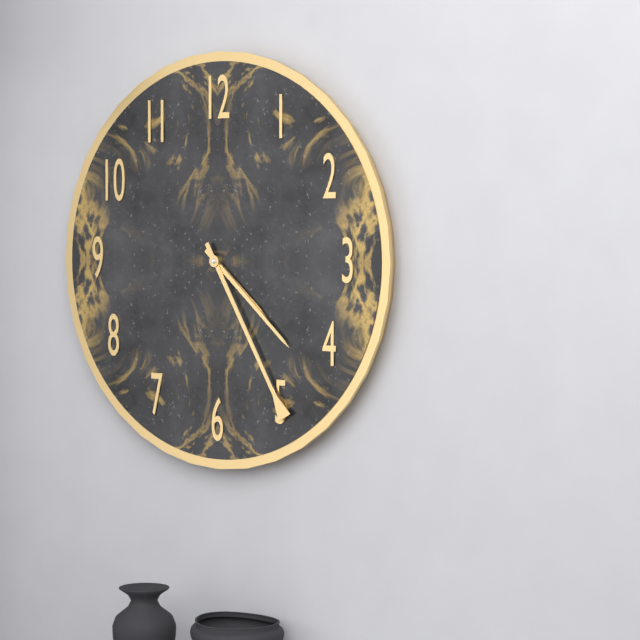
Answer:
4 h 22 min 25 s
